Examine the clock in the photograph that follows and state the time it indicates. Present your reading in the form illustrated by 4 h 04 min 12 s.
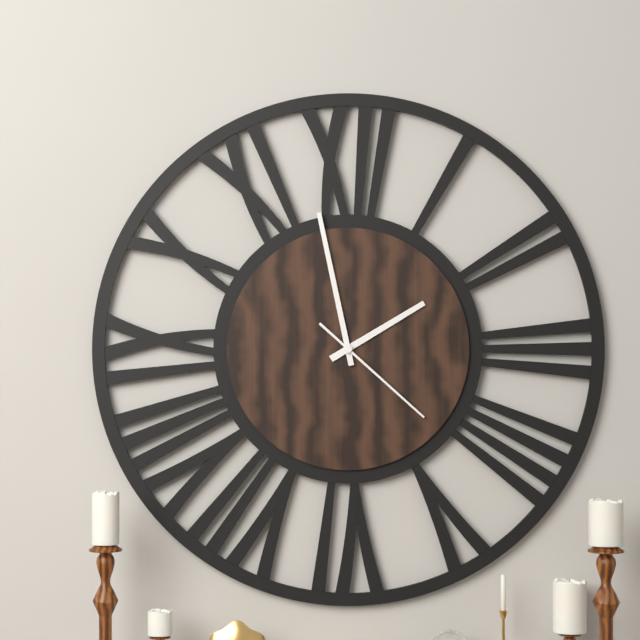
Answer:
1 h 58 min 22 s
